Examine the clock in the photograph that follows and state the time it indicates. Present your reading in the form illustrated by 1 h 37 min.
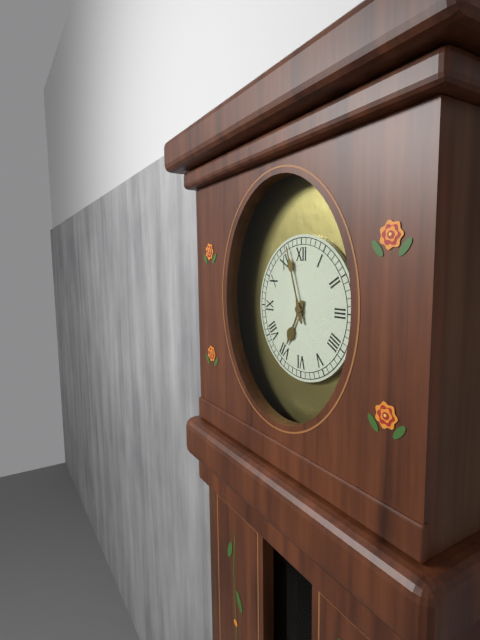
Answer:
6 h 57 min
